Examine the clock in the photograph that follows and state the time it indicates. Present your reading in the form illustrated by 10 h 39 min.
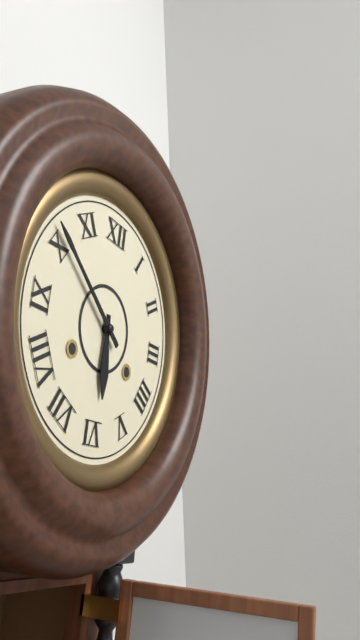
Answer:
5 h 51 min
